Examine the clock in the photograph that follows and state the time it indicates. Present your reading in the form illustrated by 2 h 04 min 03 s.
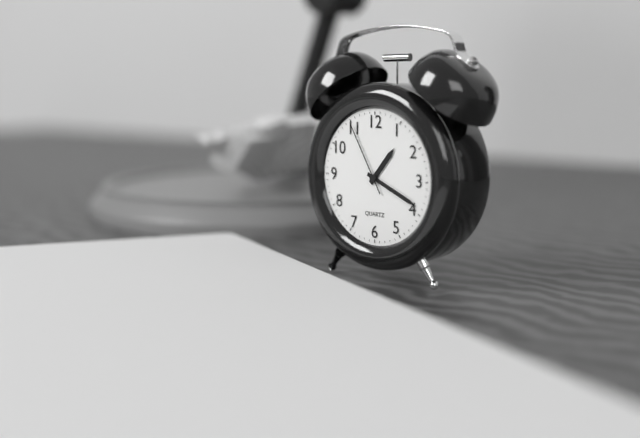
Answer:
1 h 19 min 55 s
